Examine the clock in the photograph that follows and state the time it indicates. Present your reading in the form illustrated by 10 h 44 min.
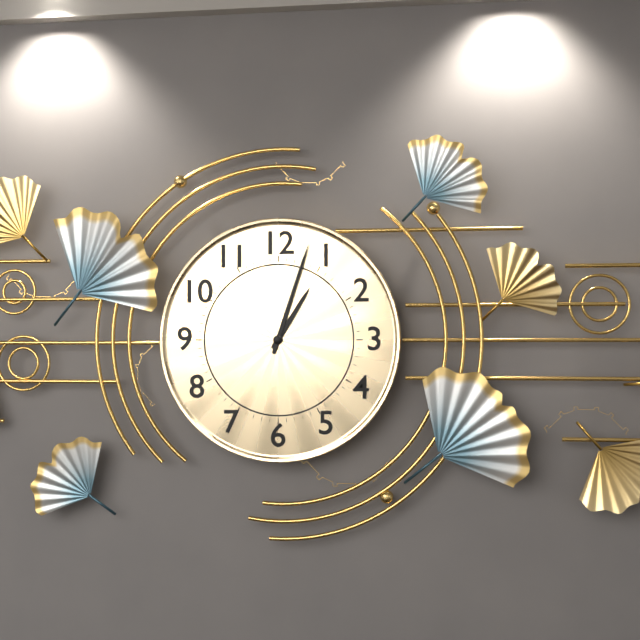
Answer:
1 h 03 min
